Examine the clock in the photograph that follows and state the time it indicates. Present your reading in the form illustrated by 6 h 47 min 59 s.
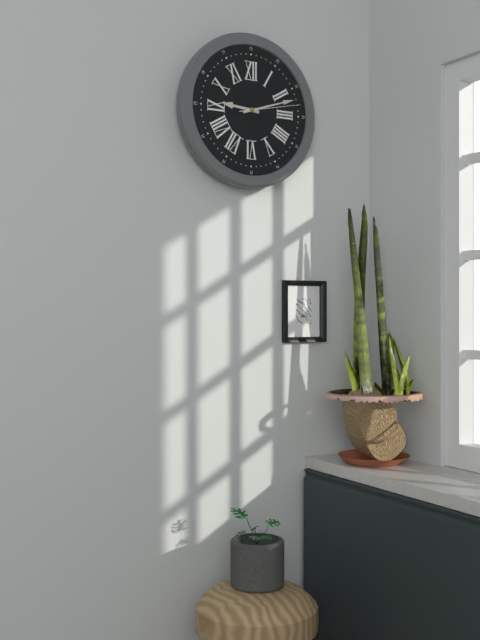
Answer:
9 h 12 min 13 s
